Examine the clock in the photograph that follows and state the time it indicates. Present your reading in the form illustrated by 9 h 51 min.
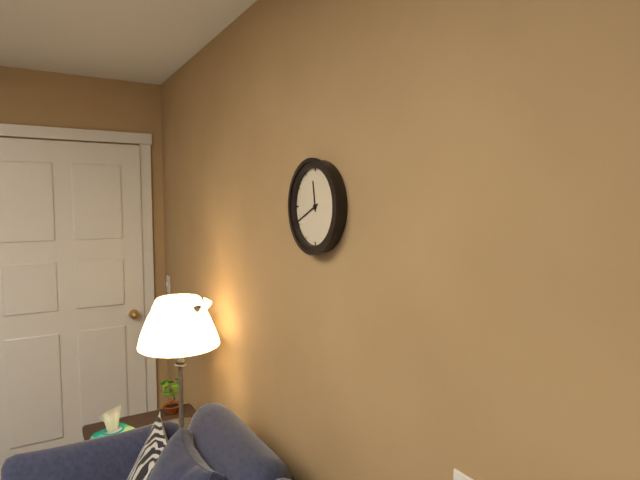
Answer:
11 h 41 min
